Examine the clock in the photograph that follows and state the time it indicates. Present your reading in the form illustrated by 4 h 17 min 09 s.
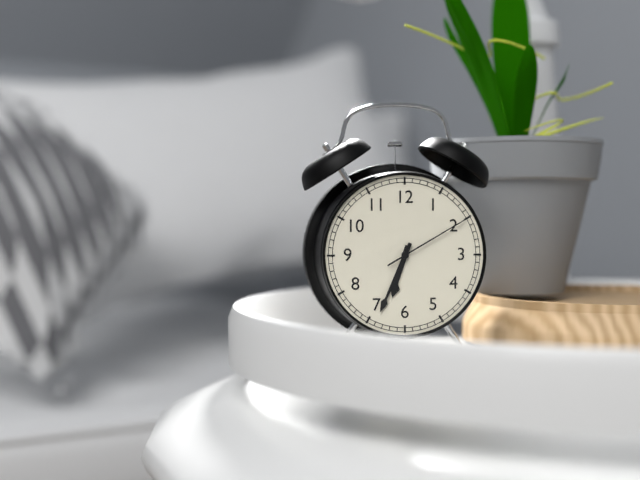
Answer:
6 h 34 min 10 s
